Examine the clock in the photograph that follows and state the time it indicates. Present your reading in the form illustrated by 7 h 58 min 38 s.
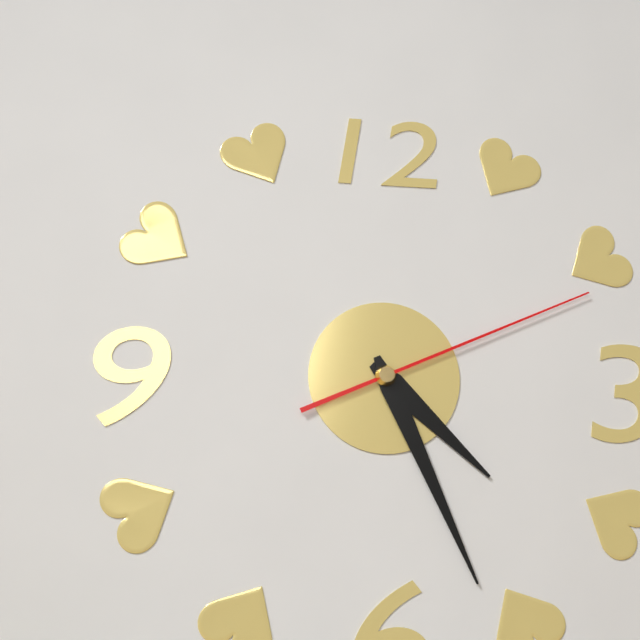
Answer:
4 h 26 min 11 s
